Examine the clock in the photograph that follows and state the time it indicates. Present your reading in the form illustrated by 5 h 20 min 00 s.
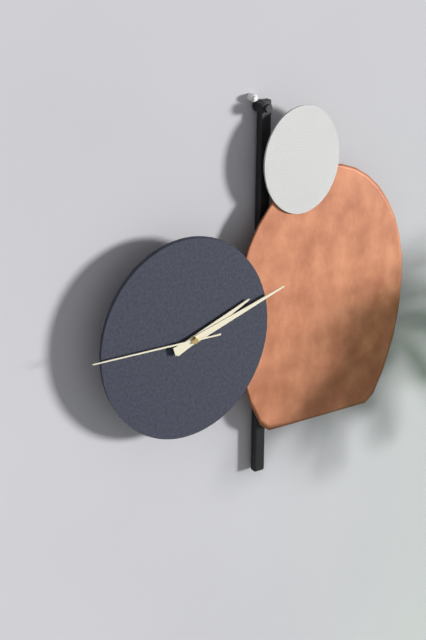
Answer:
2 h 12 min 45 s
